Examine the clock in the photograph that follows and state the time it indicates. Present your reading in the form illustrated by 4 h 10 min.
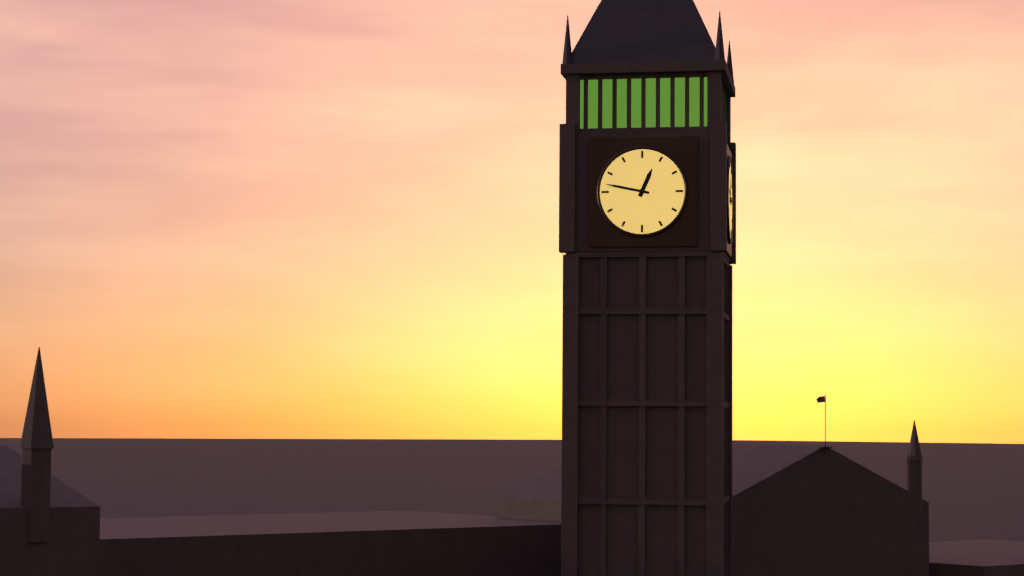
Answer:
12 h 47 min
